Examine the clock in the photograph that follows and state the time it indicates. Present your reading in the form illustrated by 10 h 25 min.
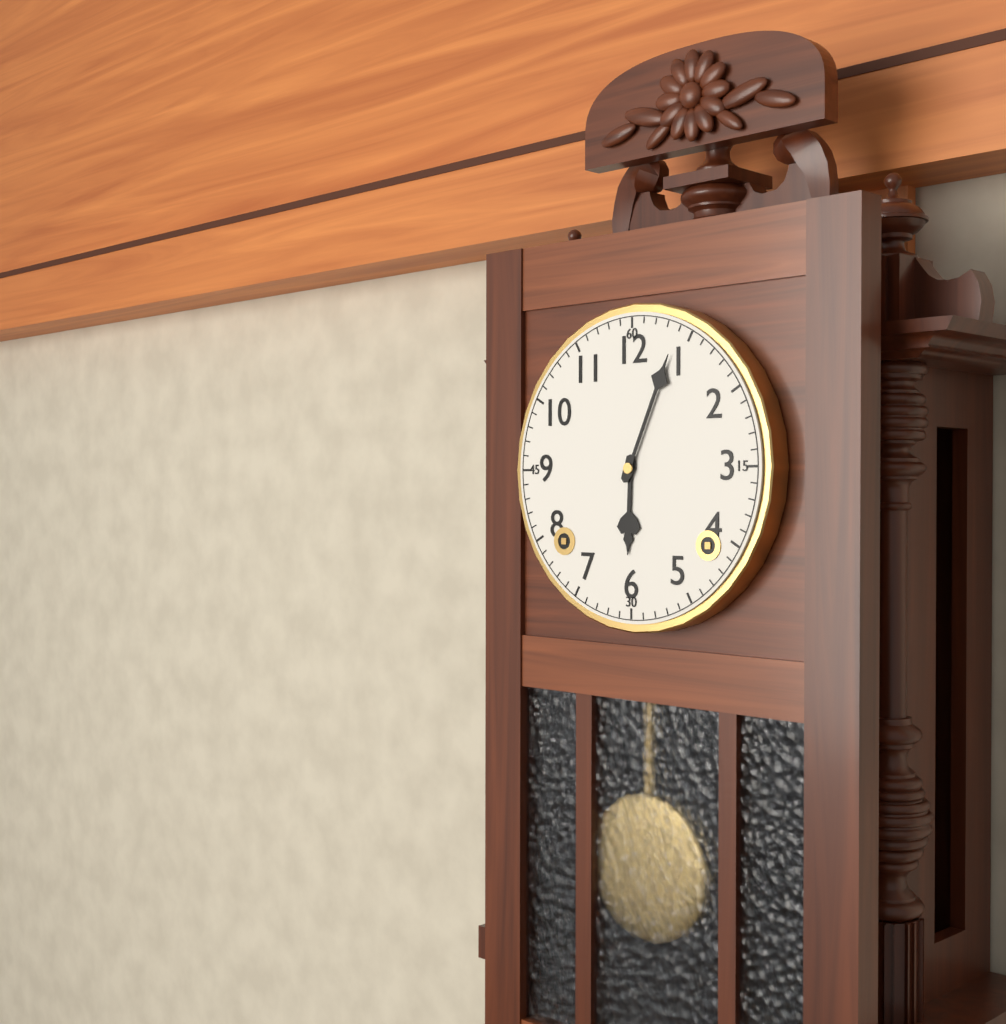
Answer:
6 h 04 min
